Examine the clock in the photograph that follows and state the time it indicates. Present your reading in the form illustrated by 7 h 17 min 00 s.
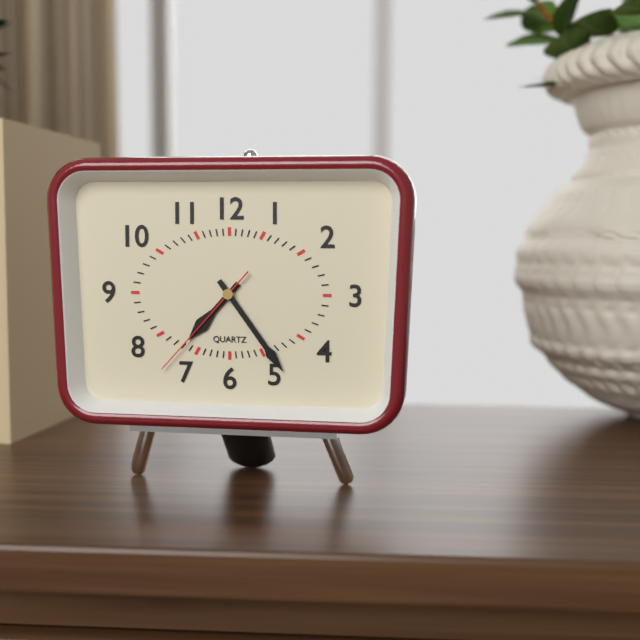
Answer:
7 h 24 min 37 s
